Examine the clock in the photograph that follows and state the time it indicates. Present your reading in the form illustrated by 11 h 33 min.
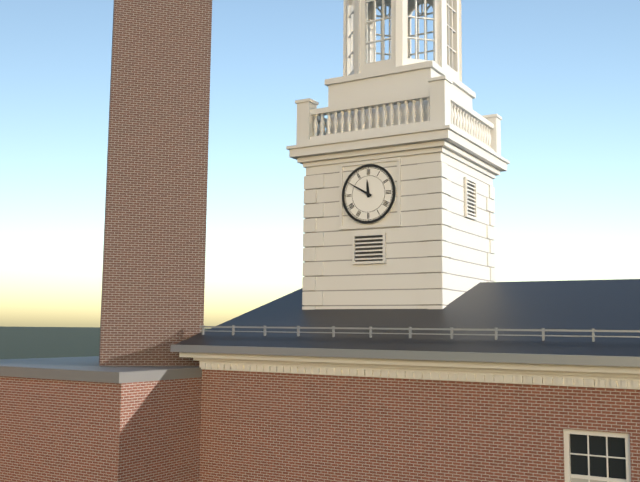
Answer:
11 h 50 min
